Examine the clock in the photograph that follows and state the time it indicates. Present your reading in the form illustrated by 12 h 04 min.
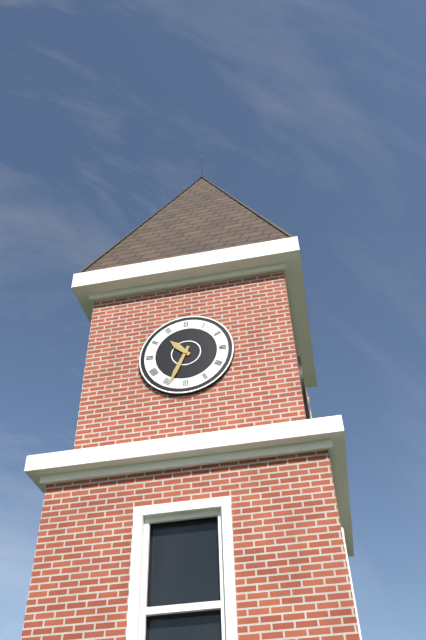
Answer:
10 h 34 min
